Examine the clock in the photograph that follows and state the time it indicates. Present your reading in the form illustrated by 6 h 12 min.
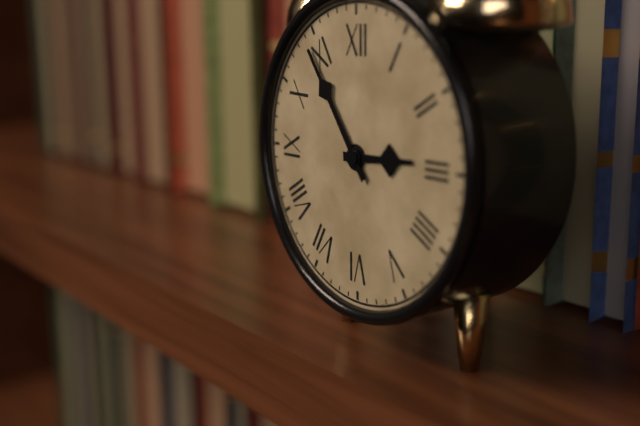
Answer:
2 h 54 min
